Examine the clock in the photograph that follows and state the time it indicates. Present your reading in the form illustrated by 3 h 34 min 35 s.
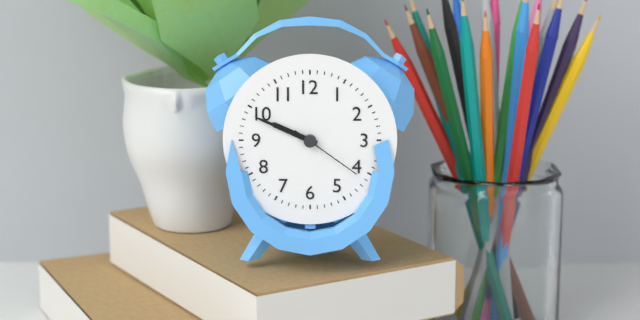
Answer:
9 h 49 min 21 s
